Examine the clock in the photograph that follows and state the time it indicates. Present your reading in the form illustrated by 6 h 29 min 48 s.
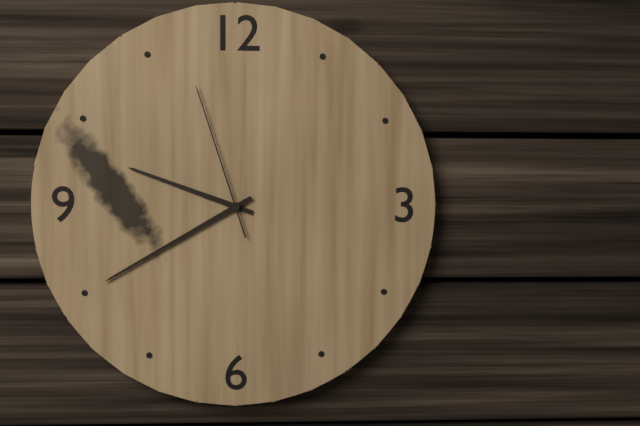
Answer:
9 h 40 min 57 s
